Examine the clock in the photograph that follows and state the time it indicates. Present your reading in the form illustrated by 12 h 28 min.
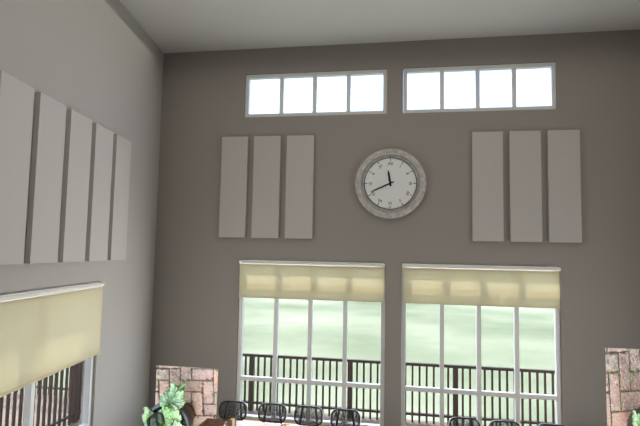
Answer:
11 h 41 min
